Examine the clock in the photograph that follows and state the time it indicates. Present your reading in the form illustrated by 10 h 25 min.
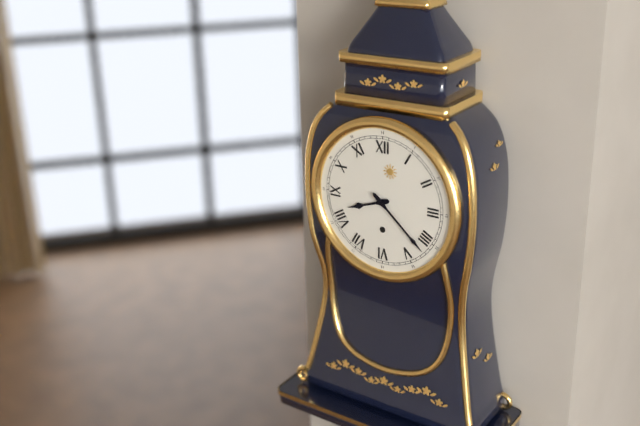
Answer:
8 h 22 min
